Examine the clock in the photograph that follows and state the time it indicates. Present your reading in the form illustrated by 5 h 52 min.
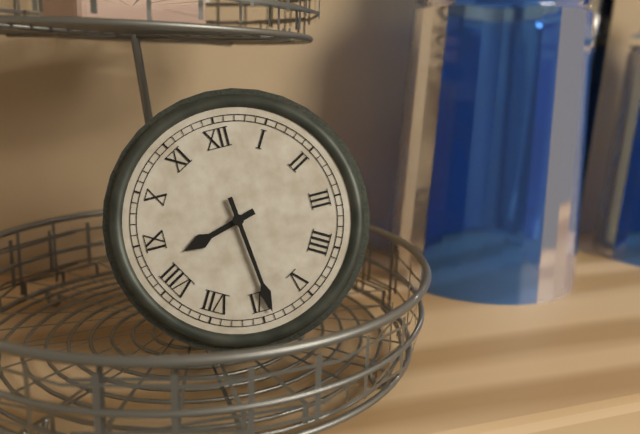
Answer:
8 h 29 min
